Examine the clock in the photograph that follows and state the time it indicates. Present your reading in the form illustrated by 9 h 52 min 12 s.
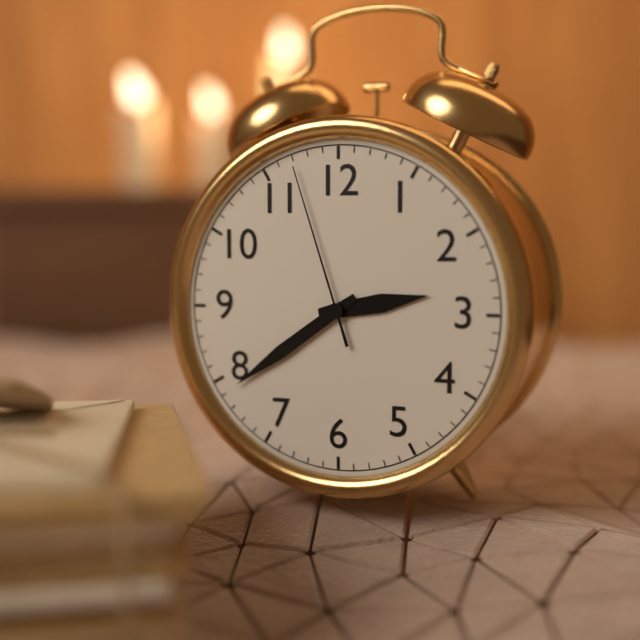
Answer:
2 h 39 min 57 s
